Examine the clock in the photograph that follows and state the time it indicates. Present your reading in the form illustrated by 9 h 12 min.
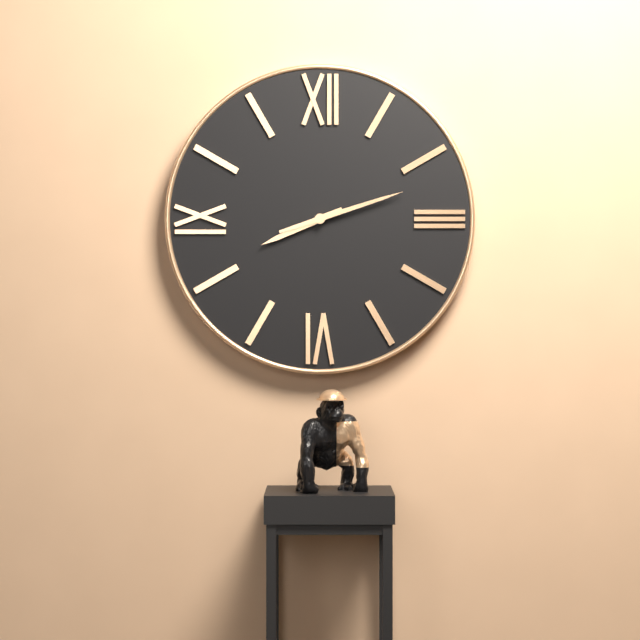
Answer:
8 h 12 min
